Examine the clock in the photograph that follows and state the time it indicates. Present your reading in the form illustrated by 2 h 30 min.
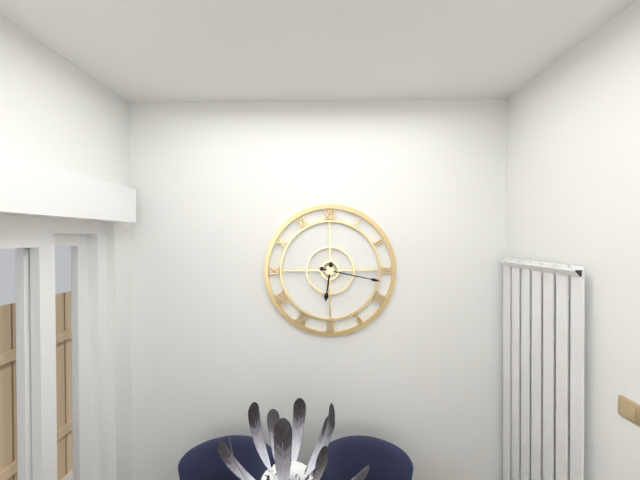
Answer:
6 h 17 min
